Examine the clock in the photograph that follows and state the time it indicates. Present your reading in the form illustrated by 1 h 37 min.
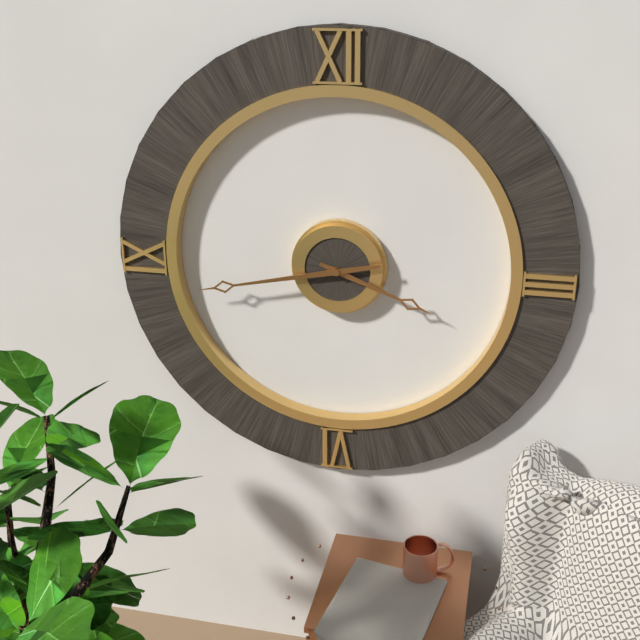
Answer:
3 h 43 min
